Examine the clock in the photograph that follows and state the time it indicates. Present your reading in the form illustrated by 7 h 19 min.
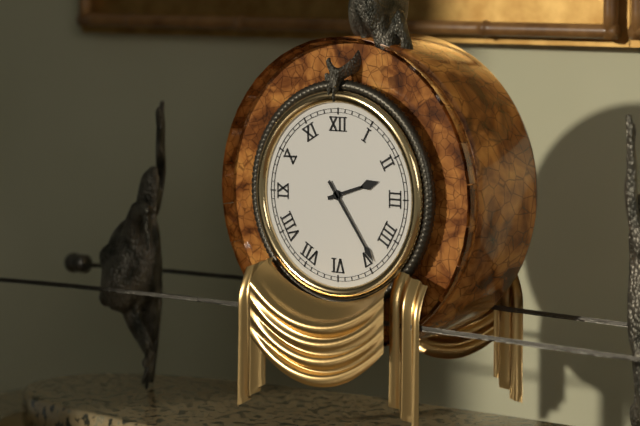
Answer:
2 h 24 min
